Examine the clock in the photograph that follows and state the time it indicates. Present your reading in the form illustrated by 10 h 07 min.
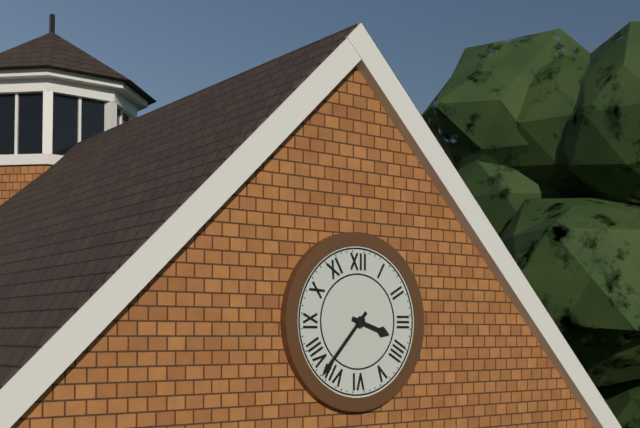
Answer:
3 h 37 min
